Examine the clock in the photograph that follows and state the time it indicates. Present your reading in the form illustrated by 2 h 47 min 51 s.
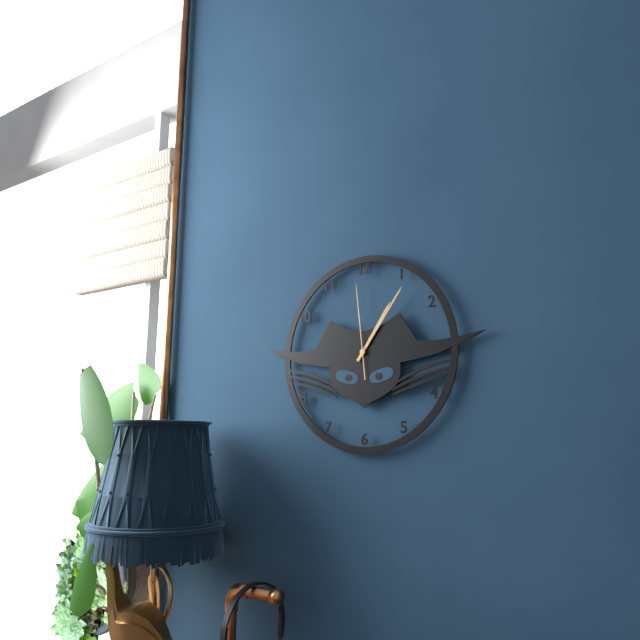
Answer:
1 h 06 min 59 s
